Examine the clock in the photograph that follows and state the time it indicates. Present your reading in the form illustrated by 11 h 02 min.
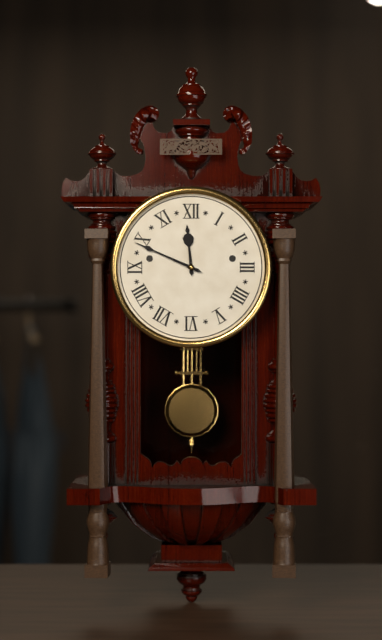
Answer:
11 h 49 min
